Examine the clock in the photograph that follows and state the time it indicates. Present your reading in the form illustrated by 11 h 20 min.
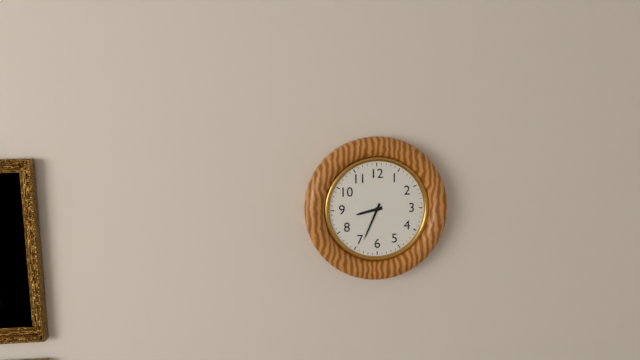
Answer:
8 h 34 min
